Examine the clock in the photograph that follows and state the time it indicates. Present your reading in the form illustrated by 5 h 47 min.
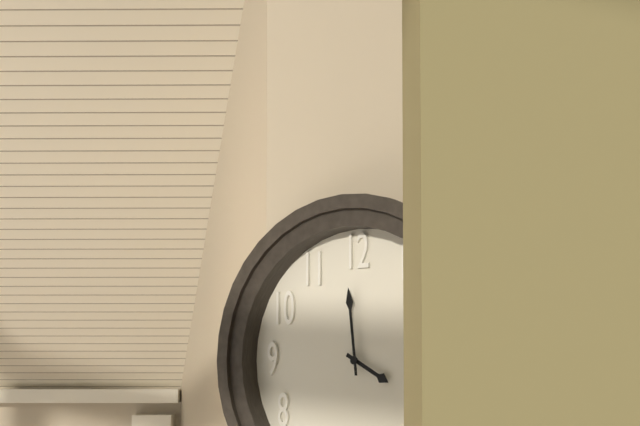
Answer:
3 h 59 min
